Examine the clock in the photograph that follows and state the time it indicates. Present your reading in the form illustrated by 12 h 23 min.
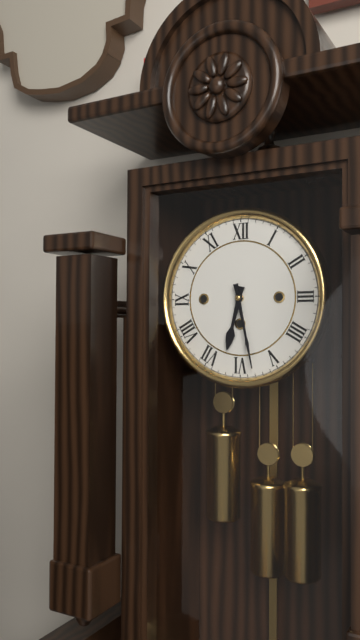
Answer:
6 h 28 min
